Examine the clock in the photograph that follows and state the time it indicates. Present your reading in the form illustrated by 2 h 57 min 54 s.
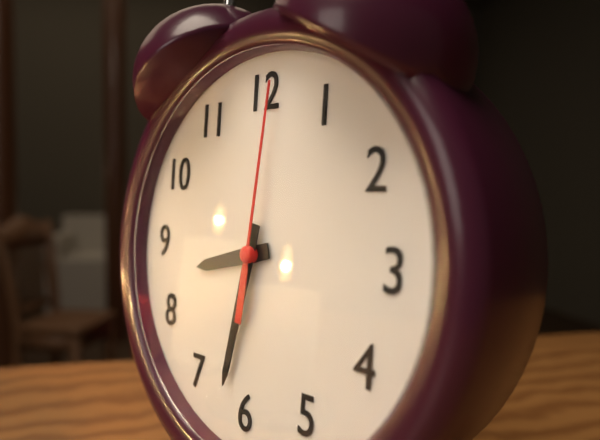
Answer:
8 h 32 min 01 s
